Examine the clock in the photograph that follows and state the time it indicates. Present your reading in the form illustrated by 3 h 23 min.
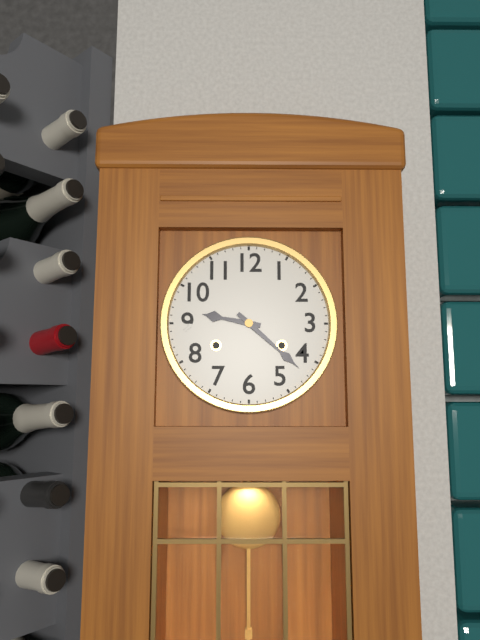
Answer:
9 h 22 min
